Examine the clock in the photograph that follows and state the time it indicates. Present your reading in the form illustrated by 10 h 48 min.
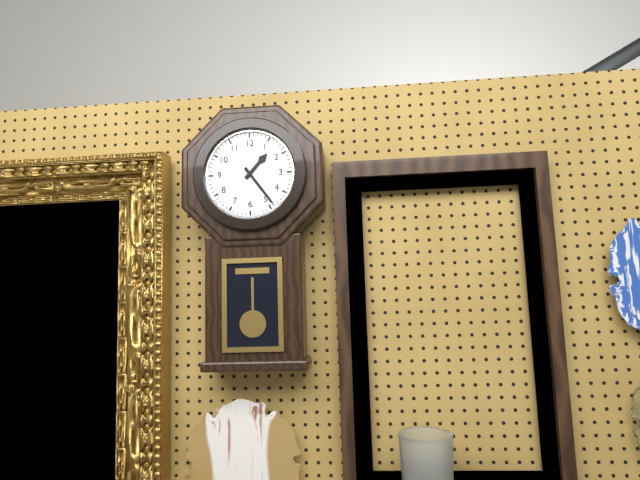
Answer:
1 h 24 min
